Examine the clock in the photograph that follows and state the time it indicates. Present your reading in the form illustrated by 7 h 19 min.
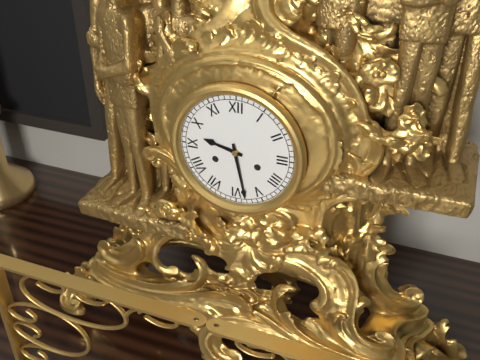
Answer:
9 h 28 min
